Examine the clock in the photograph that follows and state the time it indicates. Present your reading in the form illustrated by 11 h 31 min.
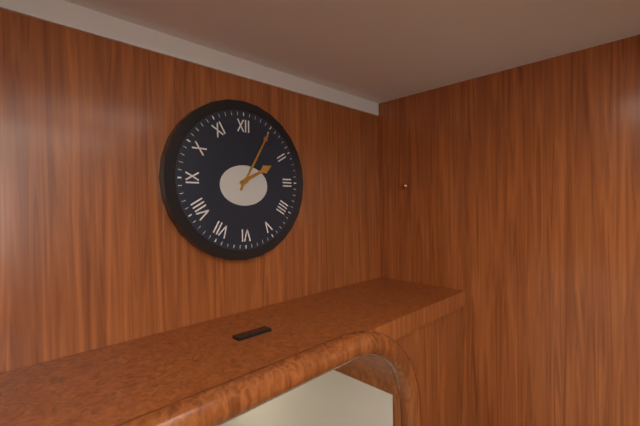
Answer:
2 h 05 min
